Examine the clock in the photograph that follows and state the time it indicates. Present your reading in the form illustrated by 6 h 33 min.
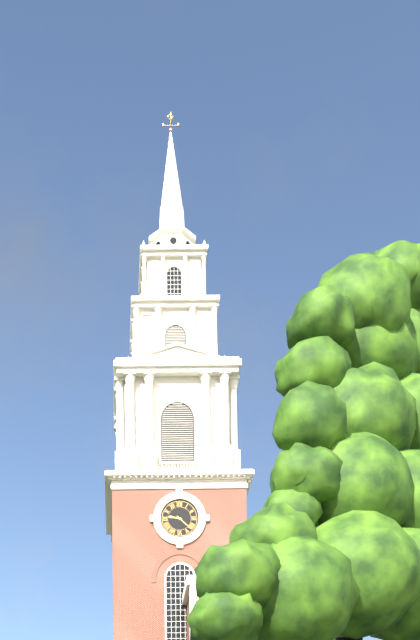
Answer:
9 h 22 min
